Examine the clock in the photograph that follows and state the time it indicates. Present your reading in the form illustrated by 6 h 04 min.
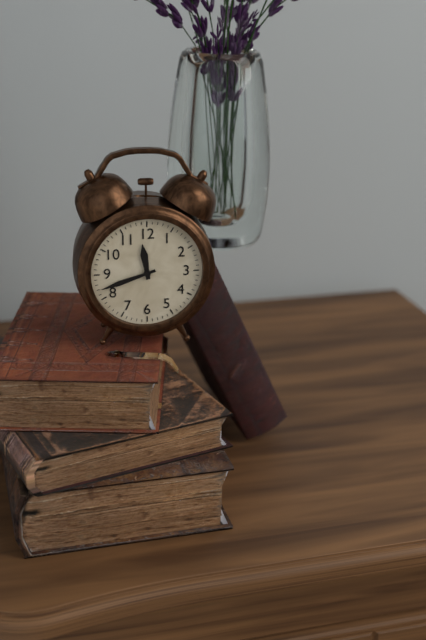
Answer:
11 h 42 min
